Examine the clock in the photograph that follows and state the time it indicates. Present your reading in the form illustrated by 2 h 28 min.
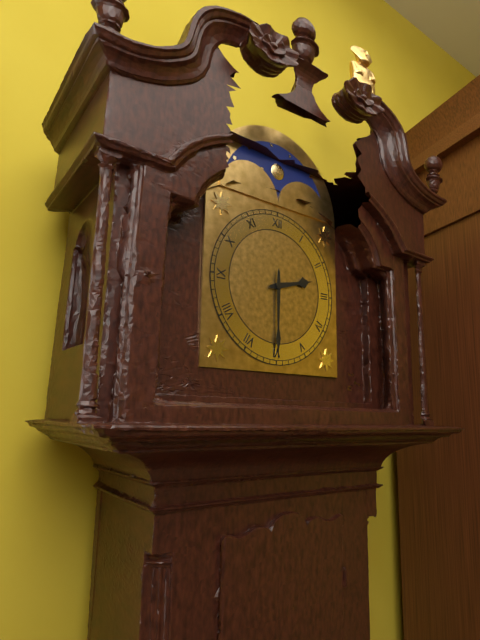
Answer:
2 h 30 min
